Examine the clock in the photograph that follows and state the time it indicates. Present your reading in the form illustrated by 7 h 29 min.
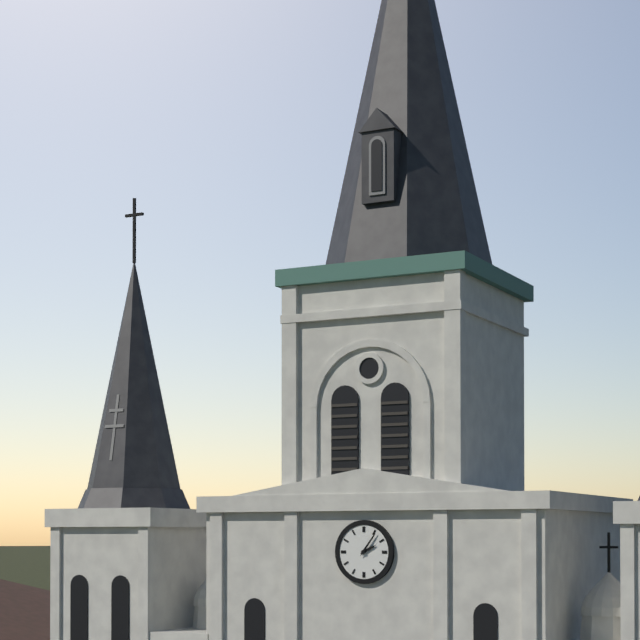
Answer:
2 h 06 min
